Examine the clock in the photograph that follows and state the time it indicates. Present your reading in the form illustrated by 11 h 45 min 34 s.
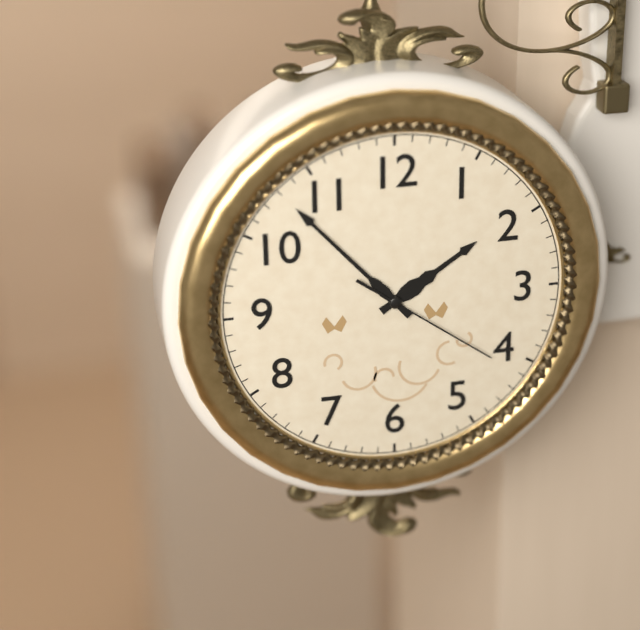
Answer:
1 h 53 min 21 s
